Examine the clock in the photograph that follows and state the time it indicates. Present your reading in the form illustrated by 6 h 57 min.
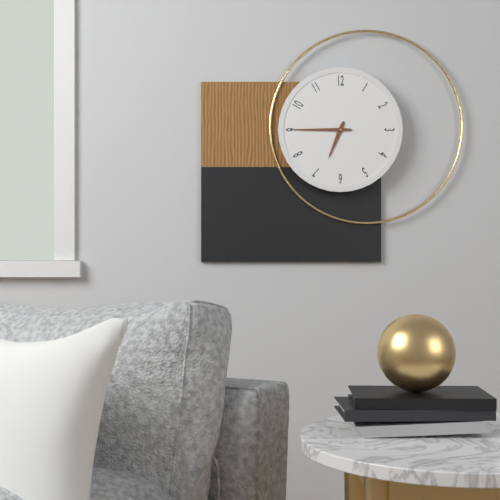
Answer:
6 h 45 min
